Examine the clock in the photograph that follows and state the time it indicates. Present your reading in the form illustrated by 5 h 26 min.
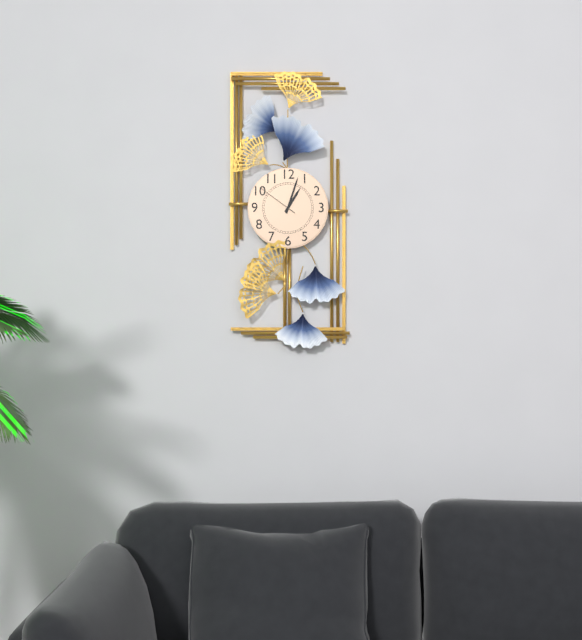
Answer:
1 h 03 min
